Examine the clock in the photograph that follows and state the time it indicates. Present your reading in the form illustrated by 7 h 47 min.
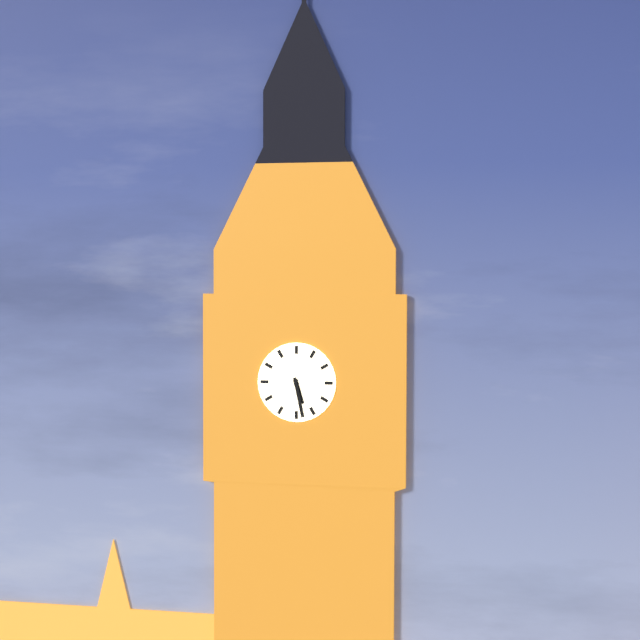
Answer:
5 h 28 min
